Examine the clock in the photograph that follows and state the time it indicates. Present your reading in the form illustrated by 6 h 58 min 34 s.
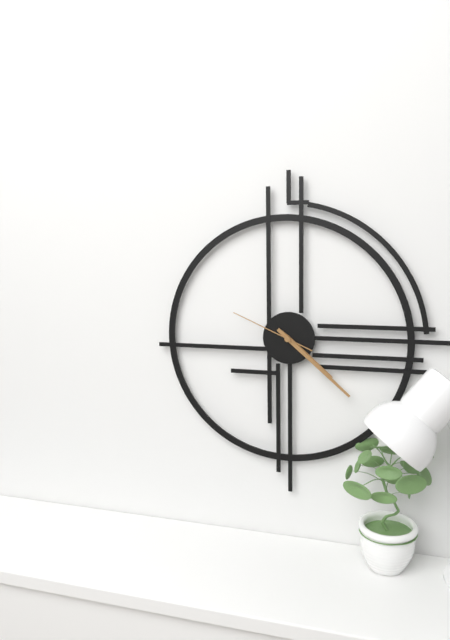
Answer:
4 h 22 min 49 s
